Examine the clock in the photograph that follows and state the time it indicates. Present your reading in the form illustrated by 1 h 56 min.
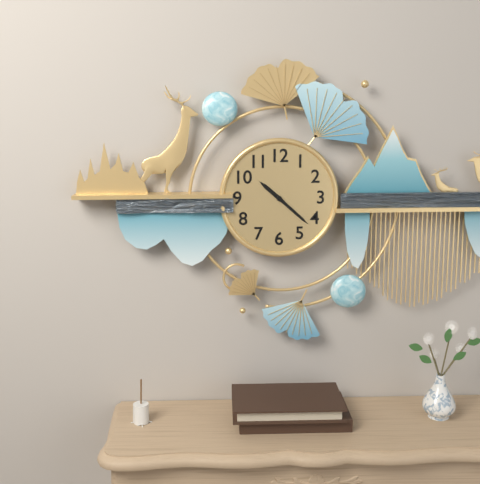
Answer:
10 h 22 min
